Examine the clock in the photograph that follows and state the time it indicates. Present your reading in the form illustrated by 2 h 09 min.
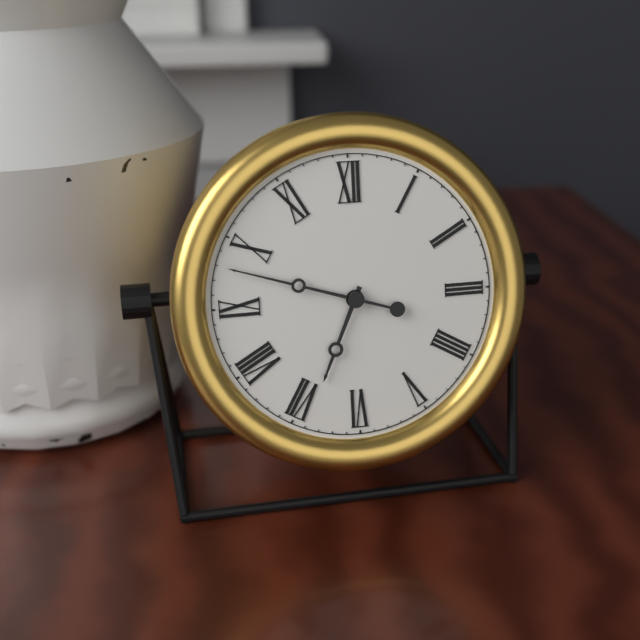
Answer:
6 h 48 min
